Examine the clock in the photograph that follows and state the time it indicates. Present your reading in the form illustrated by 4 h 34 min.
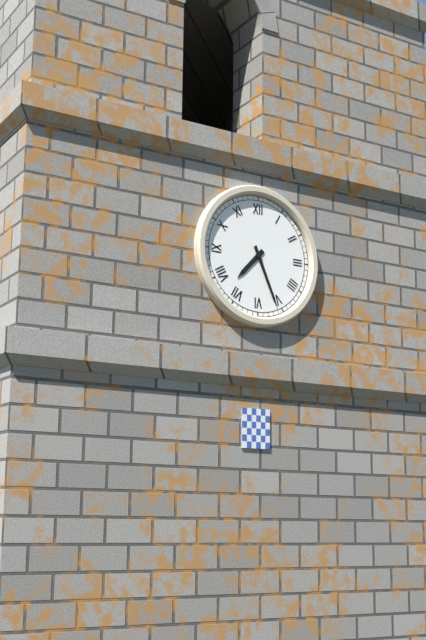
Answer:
7 h 26 min
